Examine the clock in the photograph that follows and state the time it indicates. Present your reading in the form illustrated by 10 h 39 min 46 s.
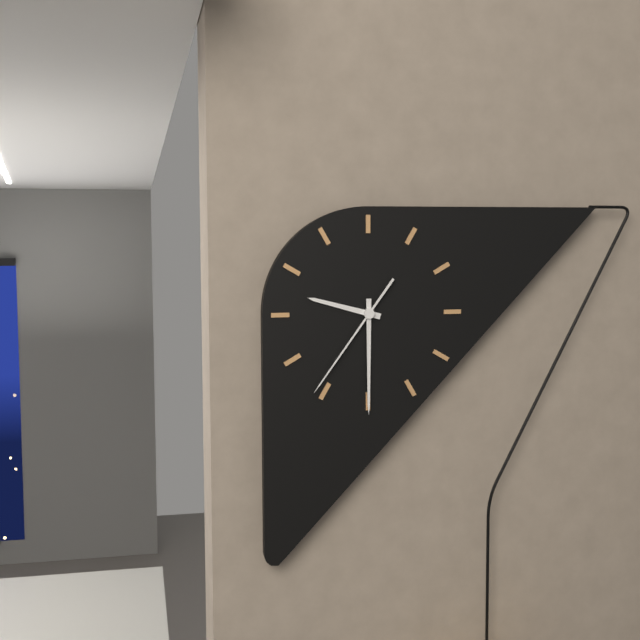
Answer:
9 h 30 min 36 s
